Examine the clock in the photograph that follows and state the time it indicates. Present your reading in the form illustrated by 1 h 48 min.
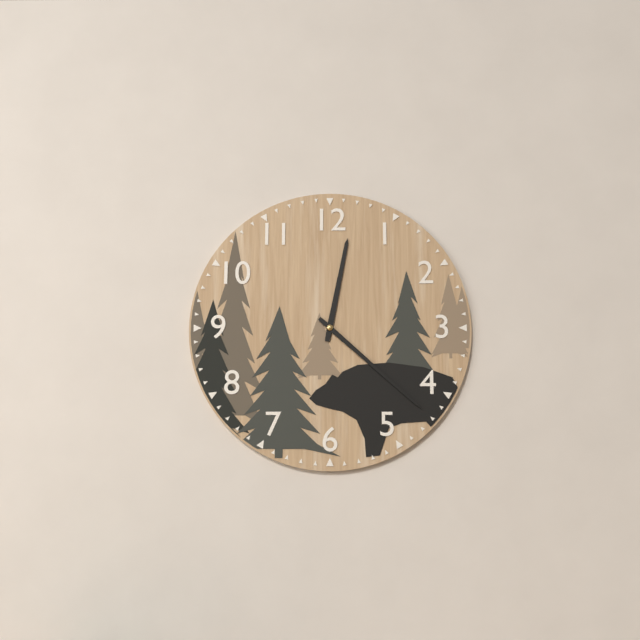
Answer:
12 h 22 min
